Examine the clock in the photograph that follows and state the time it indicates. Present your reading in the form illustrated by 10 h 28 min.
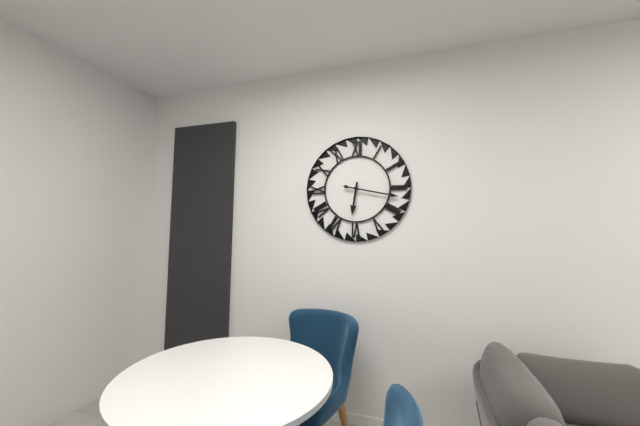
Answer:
6 h 17 min
